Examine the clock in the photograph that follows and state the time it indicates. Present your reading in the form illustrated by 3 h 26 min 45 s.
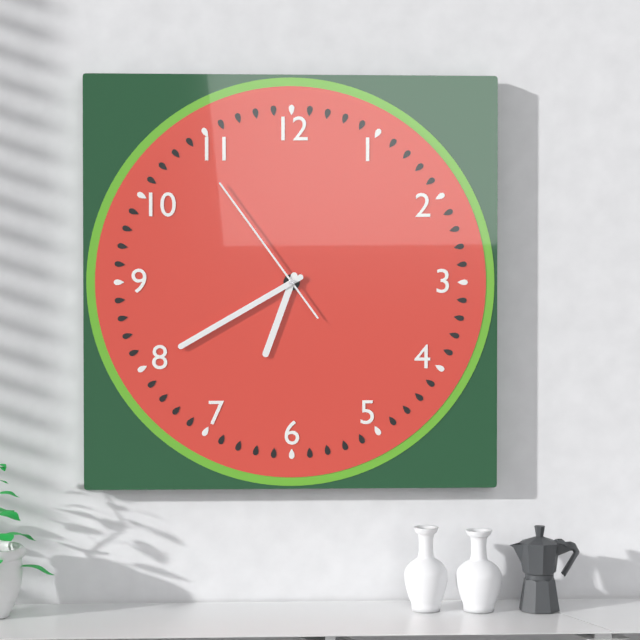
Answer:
6 h 40 min 54 s
